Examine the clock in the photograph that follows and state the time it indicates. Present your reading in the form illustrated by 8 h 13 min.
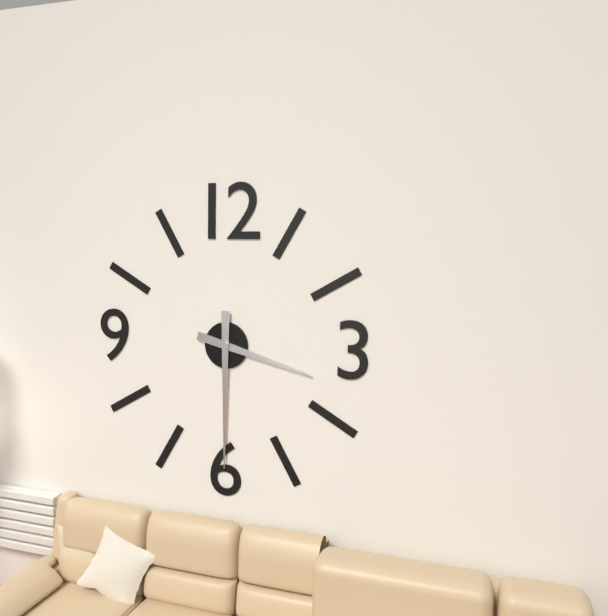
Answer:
3 h 30 min
